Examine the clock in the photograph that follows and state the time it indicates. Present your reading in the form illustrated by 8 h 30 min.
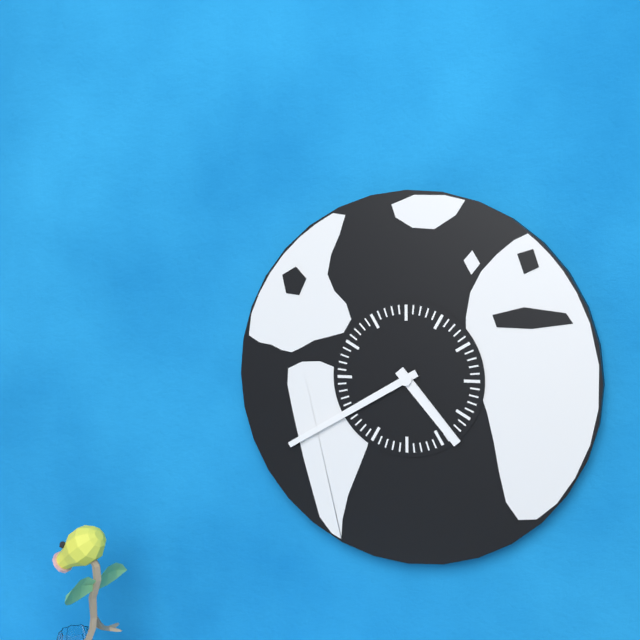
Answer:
4 h 40 min
